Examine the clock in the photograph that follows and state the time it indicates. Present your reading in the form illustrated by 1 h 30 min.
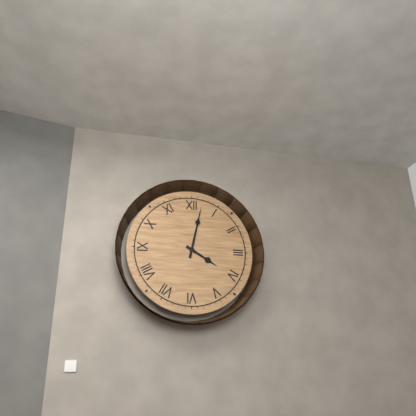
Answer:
4 h 02 min
